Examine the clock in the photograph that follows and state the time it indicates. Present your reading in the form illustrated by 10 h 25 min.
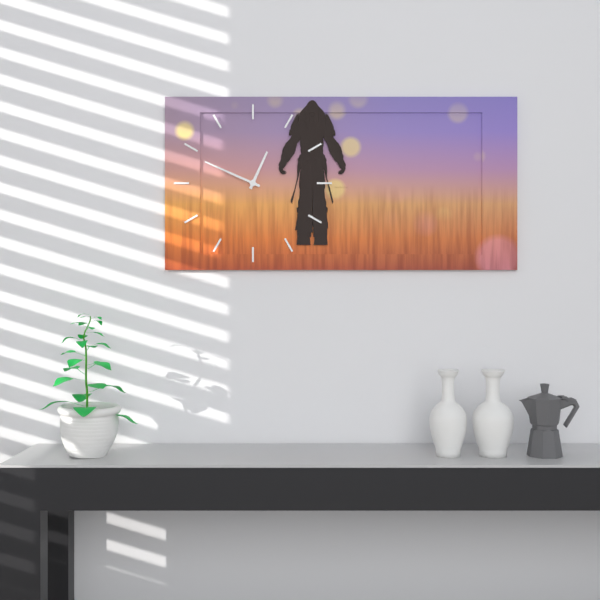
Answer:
12 h 49 min
